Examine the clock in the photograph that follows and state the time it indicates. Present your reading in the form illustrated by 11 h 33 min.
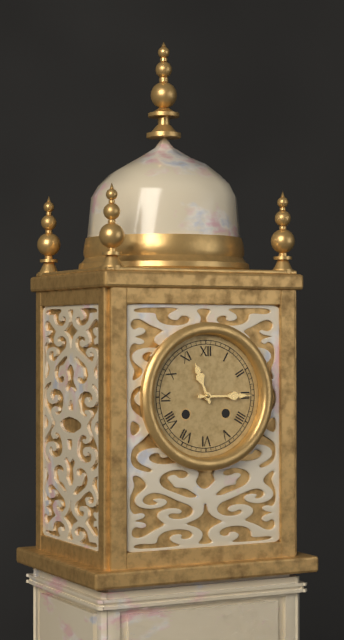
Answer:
11 h 15 min
